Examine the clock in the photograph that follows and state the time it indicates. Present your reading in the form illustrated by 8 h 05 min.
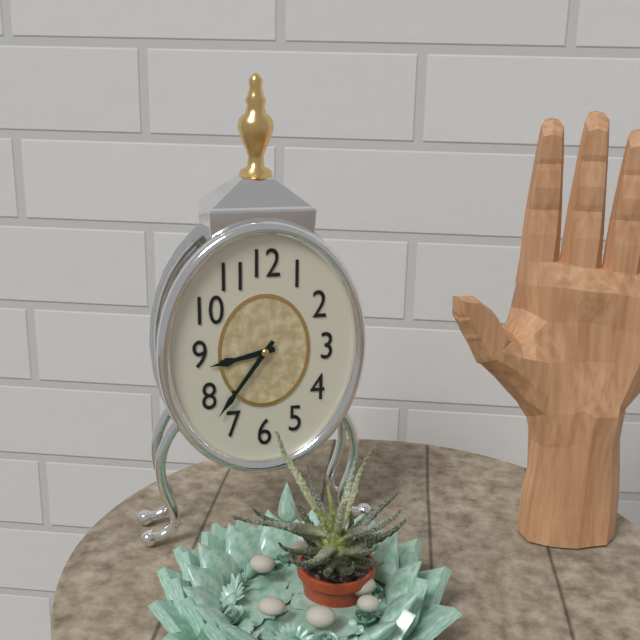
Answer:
8 h 36 min
